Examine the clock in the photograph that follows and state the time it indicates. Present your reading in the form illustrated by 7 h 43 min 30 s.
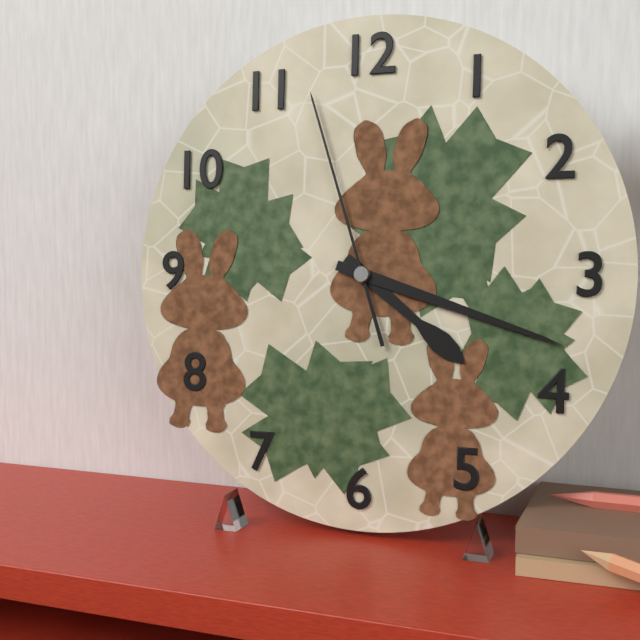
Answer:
4 h 18 min 57 s
